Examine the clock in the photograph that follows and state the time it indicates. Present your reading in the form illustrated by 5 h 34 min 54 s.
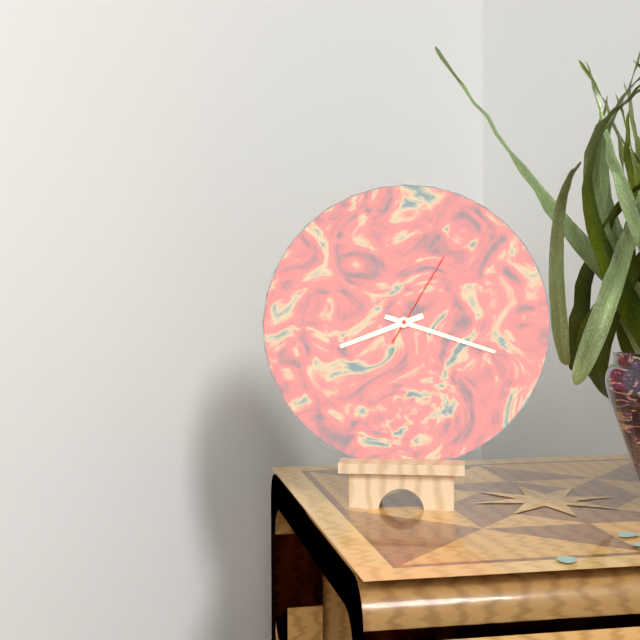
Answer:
8 h 18 min 05 s
